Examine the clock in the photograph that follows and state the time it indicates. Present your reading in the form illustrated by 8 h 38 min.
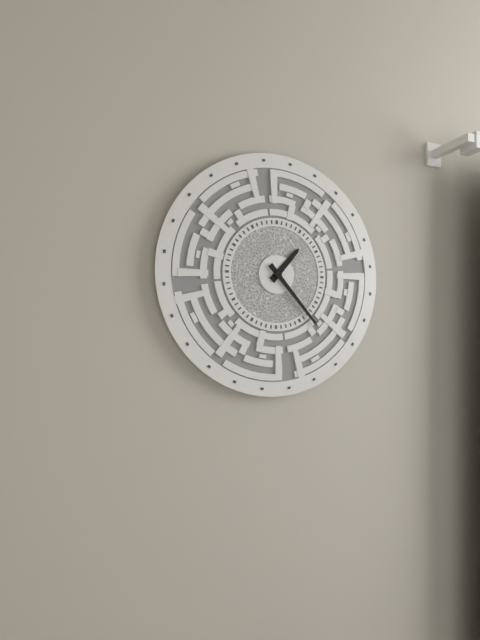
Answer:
1 h 23 min
